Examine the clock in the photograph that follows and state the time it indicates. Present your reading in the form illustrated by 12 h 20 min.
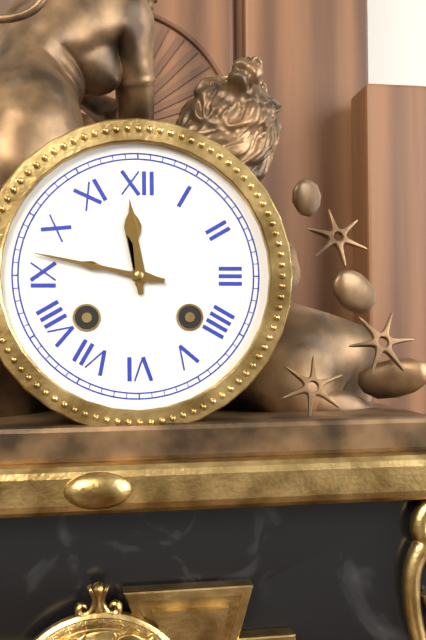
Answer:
11 h 47 min
